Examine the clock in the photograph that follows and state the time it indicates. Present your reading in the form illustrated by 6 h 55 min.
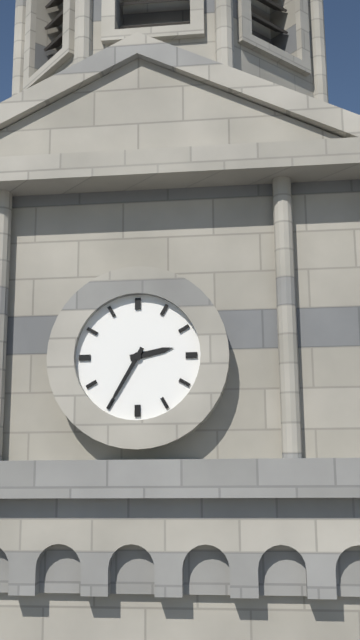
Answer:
2 h 35 min
